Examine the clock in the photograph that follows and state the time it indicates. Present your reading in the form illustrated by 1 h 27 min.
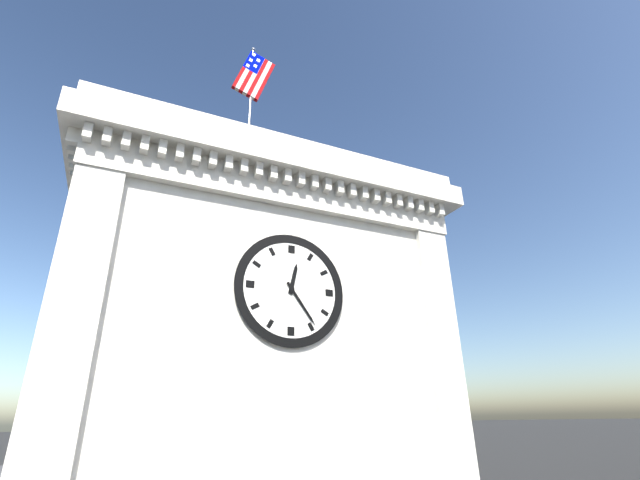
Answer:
12 h 24 min
